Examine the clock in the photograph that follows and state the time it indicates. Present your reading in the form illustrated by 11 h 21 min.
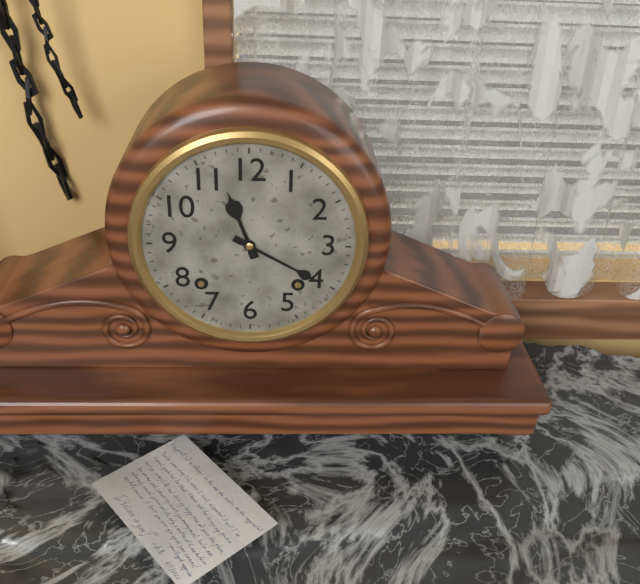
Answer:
11 h 20 min
